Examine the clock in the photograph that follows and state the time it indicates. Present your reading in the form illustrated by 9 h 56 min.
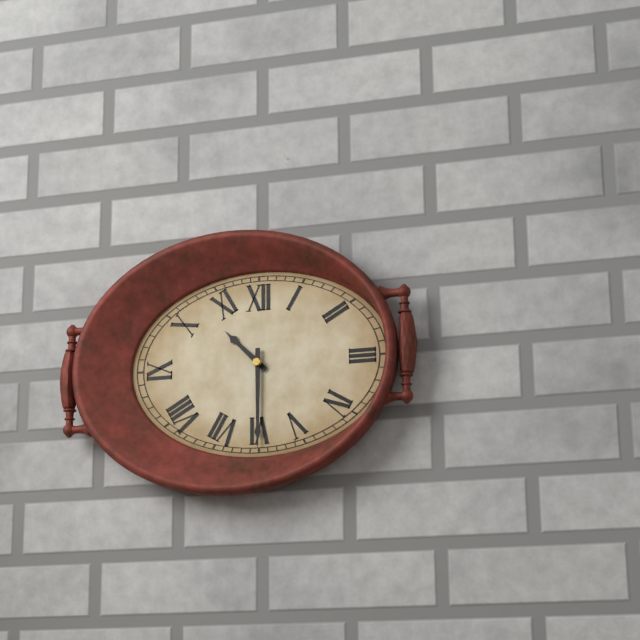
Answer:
10 h 30 min
